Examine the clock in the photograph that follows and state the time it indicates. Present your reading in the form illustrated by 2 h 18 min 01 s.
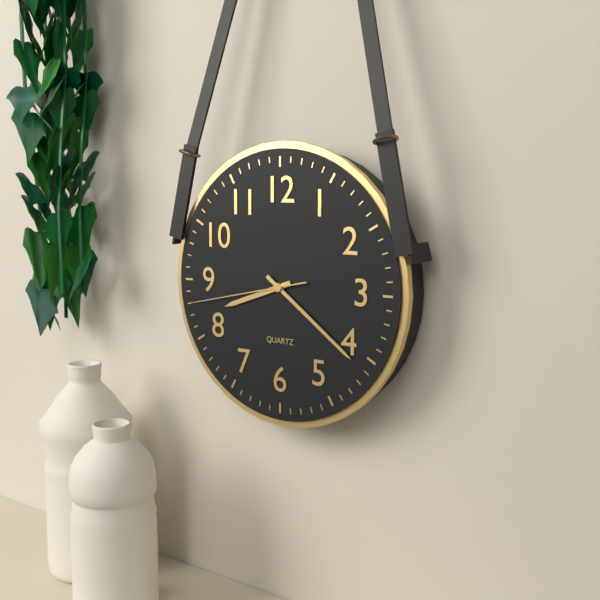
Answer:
8 h 21 min 43 s
